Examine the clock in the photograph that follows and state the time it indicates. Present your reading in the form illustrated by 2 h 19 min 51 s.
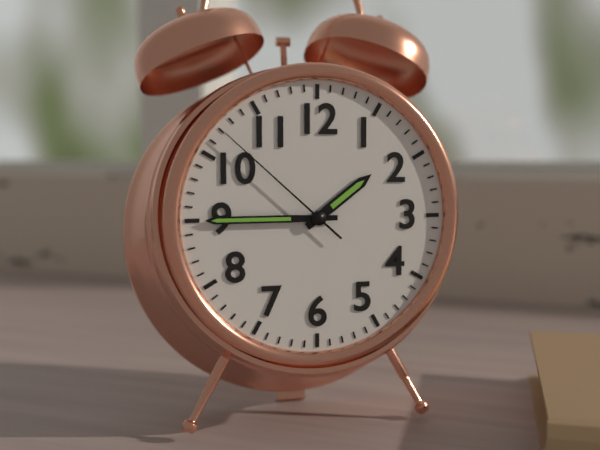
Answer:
1 h 45 min 52 s
